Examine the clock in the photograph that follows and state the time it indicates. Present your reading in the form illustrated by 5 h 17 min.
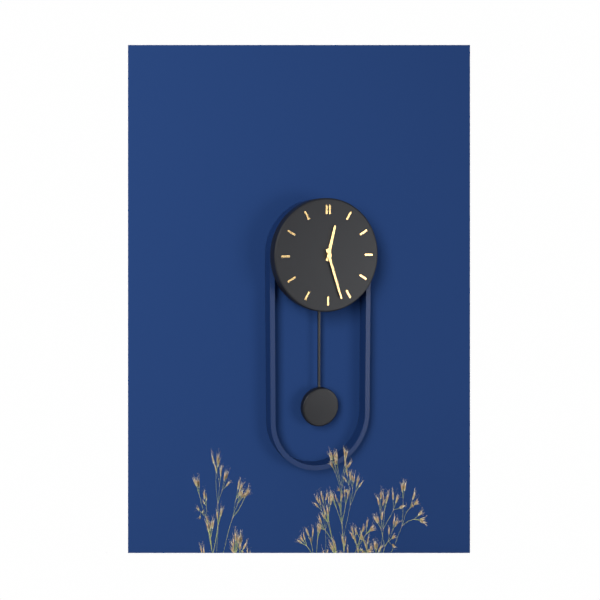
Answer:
12 h 27 min
